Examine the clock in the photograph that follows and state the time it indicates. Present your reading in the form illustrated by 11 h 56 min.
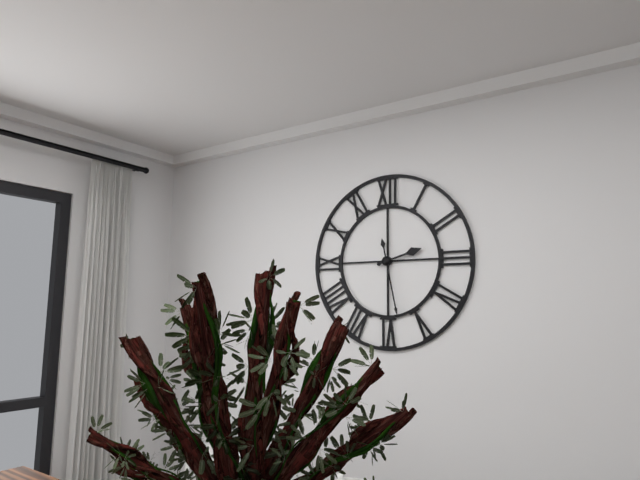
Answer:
2 h 28 min
